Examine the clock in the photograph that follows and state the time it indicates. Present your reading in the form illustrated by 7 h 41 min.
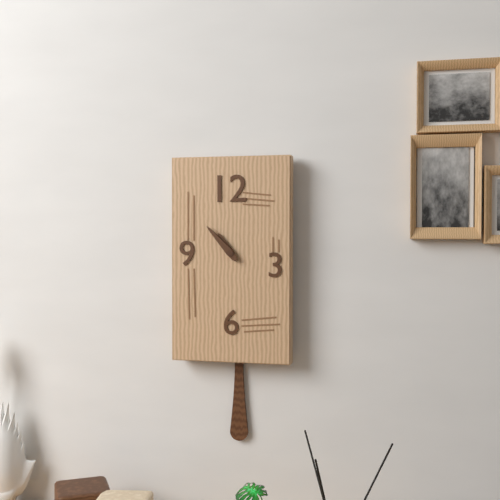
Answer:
10 h 53 min
